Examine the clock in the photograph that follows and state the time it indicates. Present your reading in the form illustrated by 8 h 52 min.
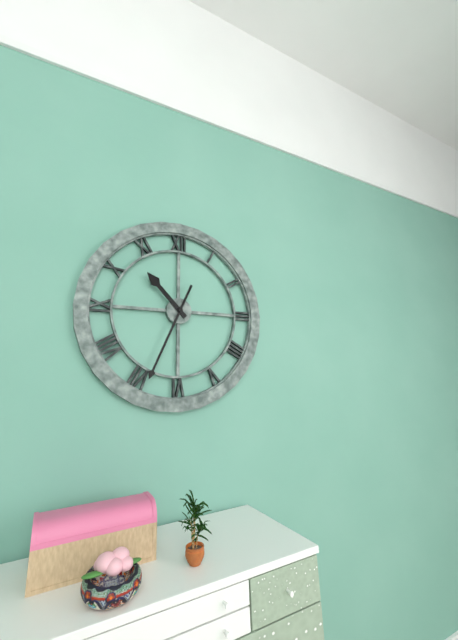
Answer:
10 h 34 min
